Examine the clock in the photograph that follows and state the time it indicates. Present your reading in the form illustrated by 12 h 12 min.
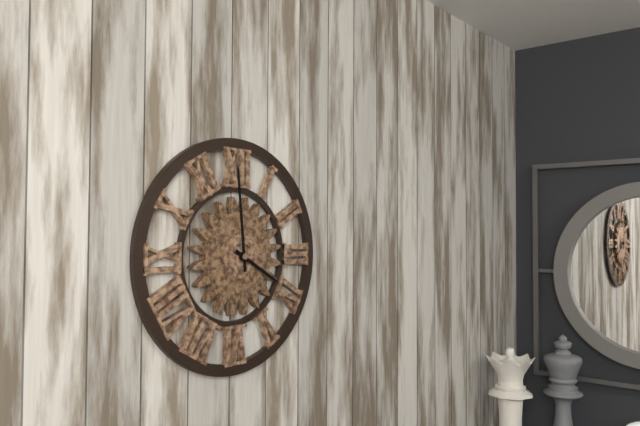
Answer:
3 h 59 min
